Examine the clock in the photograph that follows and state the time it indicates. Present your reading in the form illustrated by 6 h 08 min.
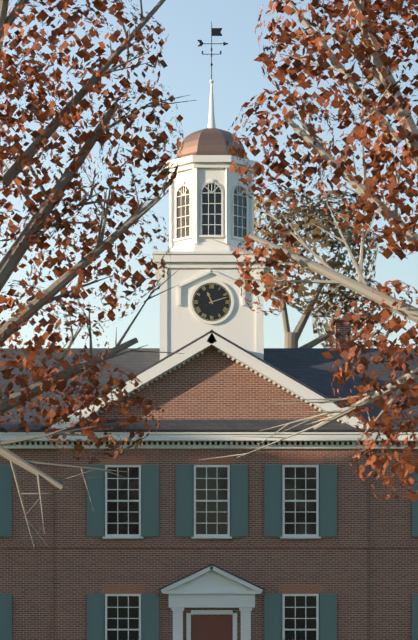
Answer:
11 h 12 min
